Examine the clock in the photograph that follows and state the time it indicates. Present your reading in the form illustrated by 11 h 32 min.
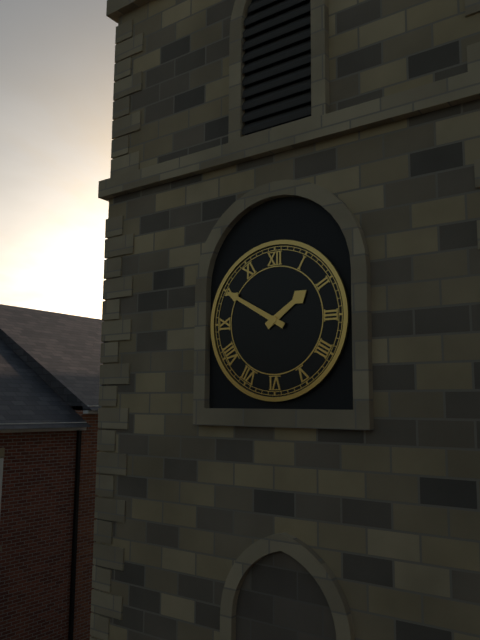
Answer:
1 h 50 min
